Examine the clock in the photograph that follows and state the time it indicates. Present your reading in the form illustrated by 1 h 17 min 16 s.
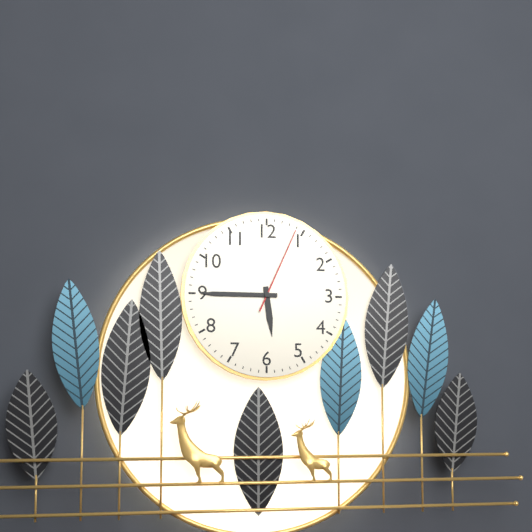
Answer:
5 h 45 min 04 s
